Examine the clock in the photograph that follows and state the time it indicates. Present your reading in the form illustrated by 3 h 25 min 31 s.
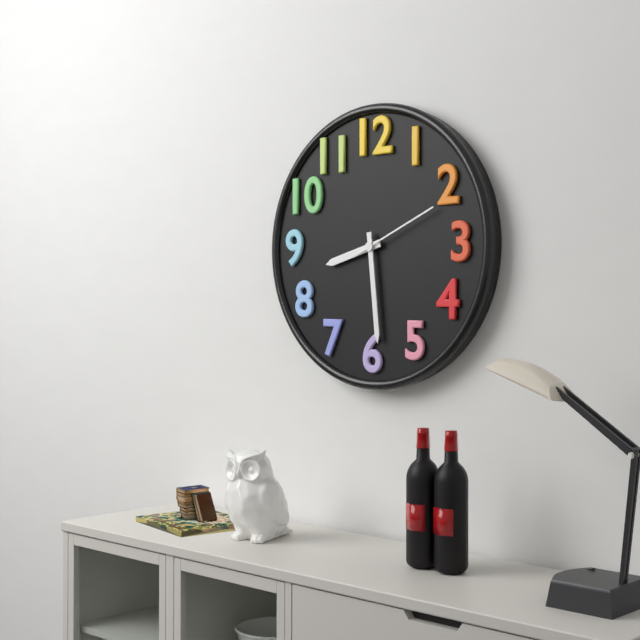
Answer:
8 h 29 min 11 s
